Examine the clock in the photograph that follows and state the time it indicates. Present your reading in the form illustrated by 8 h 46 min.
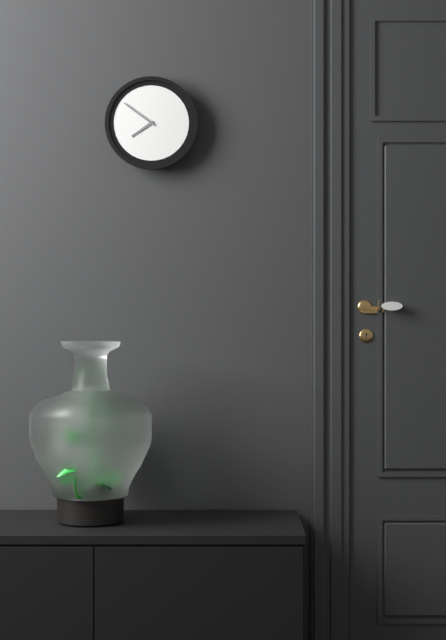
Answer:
7 h 51 min
